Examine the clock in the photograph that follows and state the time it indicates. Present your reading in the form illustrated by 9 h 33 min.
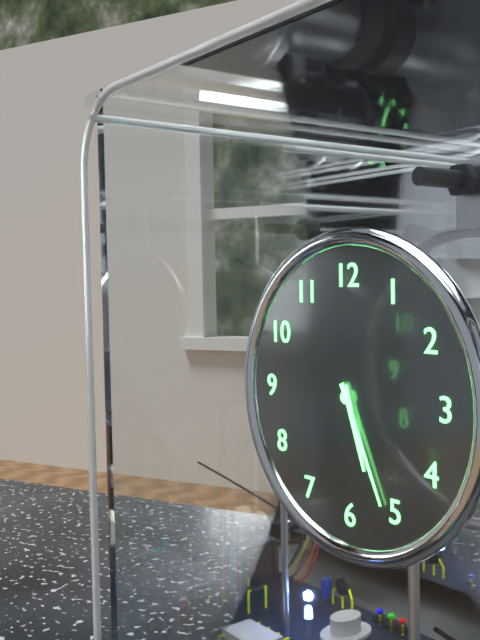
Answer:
5 h 26 min
